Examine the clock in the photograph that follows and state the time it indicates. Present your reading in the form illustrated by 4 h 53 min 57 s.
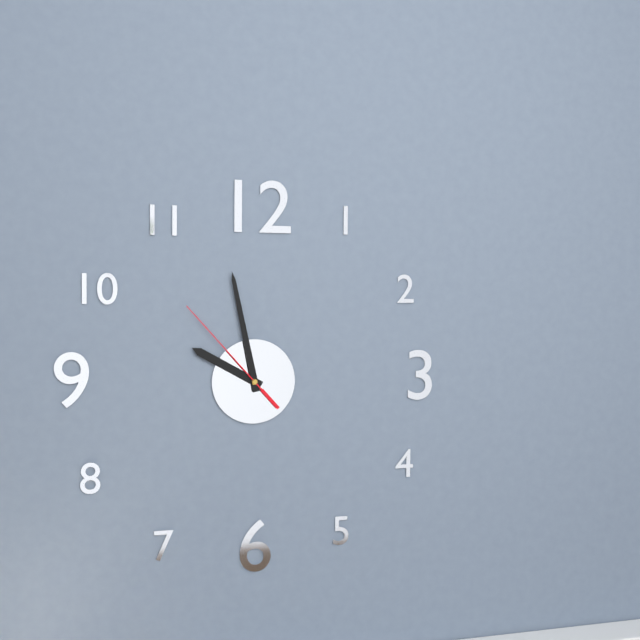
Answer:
9 h 58 min 53 s
